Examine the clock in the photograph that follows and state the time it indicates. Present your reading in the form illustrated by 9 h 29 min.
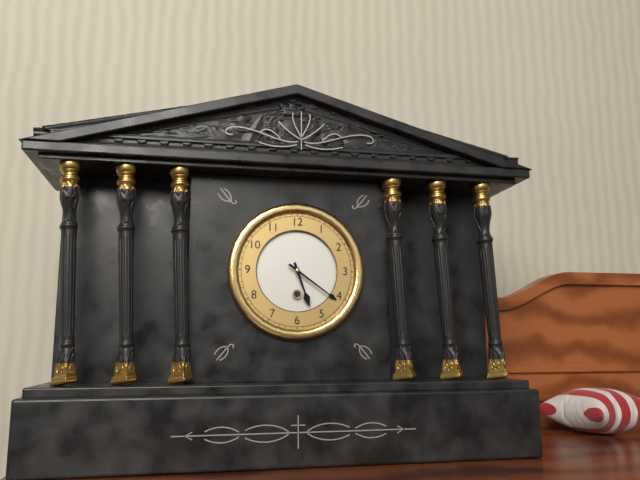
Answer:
5 h 21 min
